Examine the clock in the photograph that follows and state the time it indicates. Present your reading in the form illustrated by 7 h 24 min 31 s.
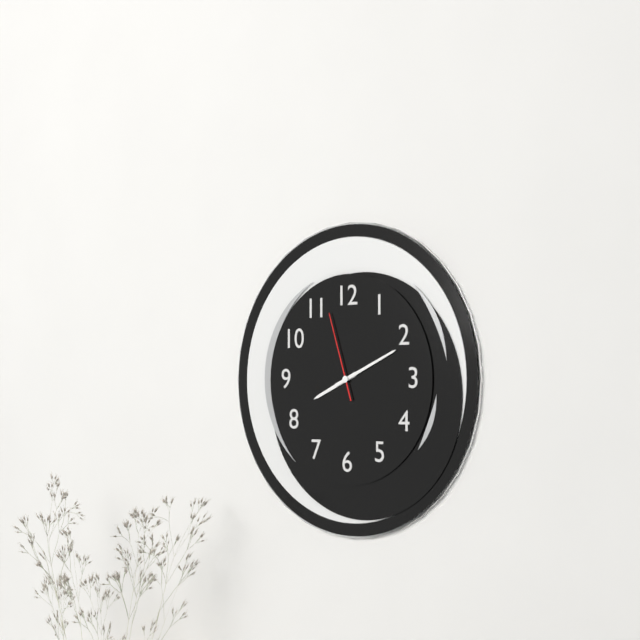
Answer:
8 h 11 min 57 s
